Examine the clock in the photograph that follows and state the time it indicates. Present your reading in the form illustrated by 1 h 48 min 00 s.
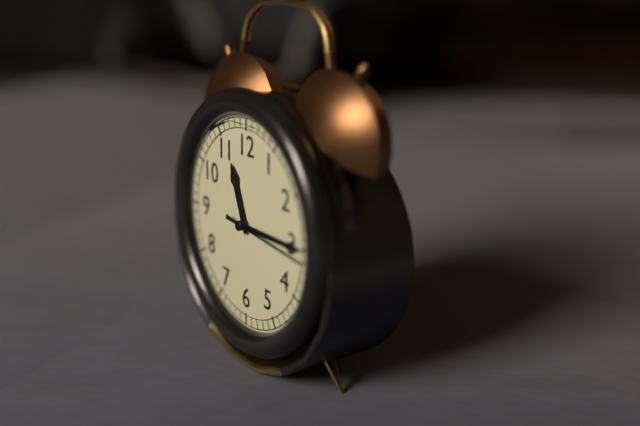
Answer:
11 h 15 min 16 s
